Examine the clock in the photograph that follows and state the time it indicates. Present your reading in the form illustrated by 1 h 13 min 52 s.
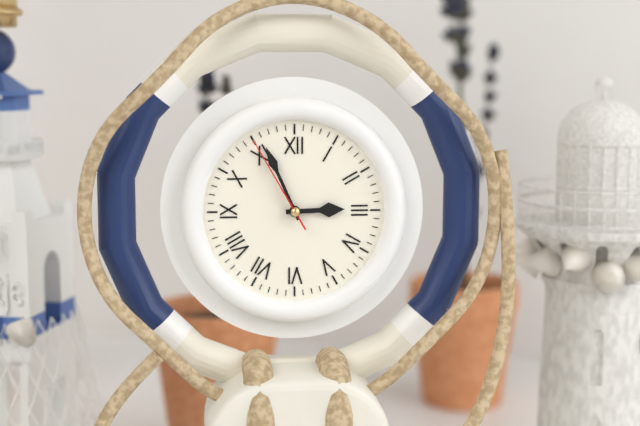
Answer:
2 h 56 min 55 s
